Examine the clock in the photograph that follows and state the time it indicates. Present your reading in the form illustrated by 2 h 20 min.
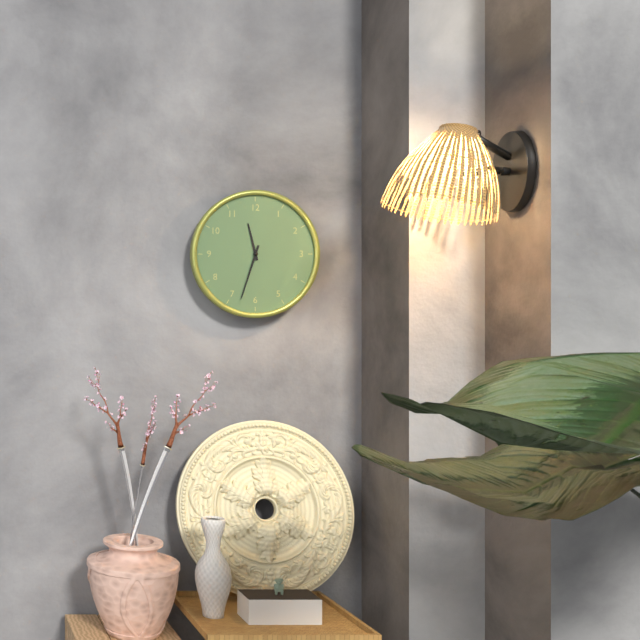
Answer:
11 h 33 min
